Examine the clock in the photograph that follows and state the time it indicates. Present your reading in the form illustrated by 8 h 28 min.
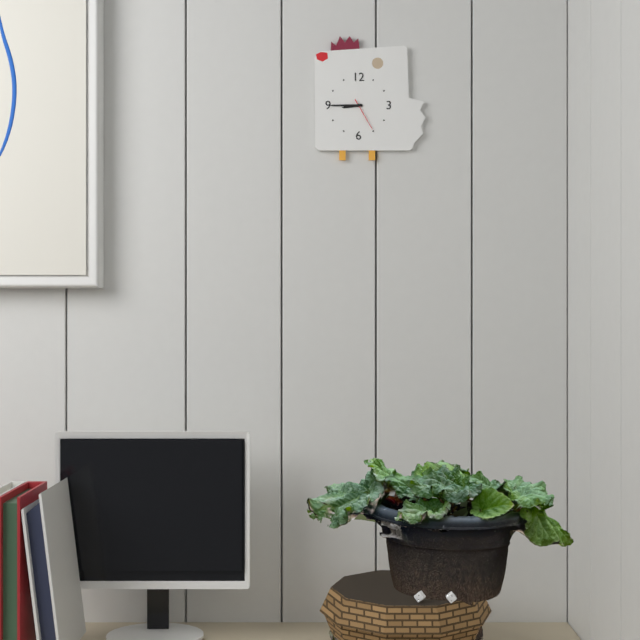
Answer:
8 h 45 min
